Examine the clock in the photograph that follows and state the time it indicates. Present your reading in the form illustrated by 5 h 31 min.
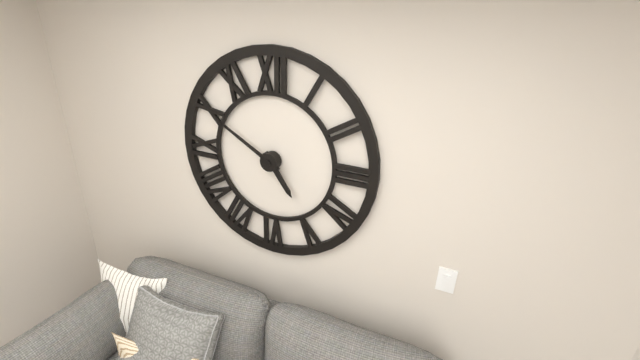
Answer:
4 h 50 min
